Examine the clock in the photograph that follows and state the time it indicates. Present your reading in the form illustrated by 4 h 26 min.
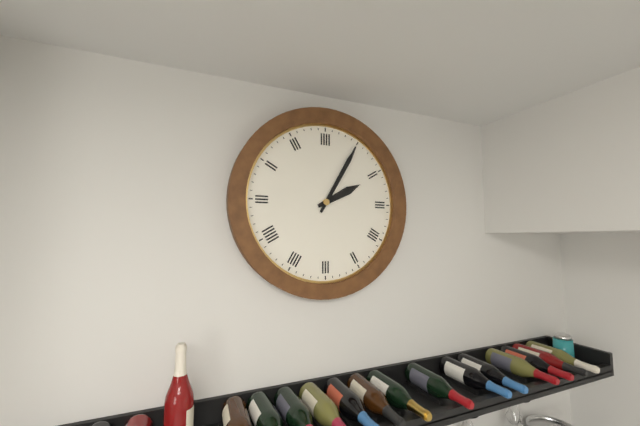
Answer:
2 h 05 min
